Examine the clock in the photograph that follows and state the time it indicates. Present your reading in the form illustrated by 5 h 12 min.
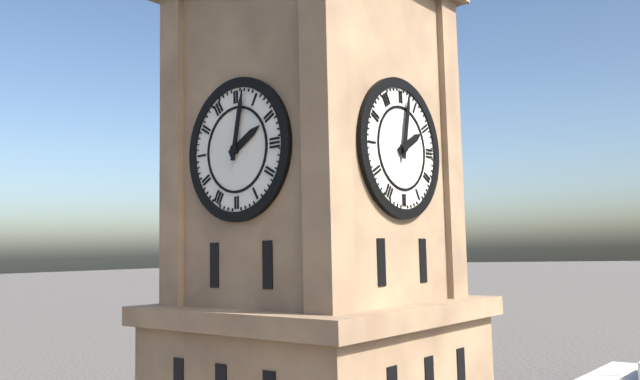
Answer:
2 h 02 min
